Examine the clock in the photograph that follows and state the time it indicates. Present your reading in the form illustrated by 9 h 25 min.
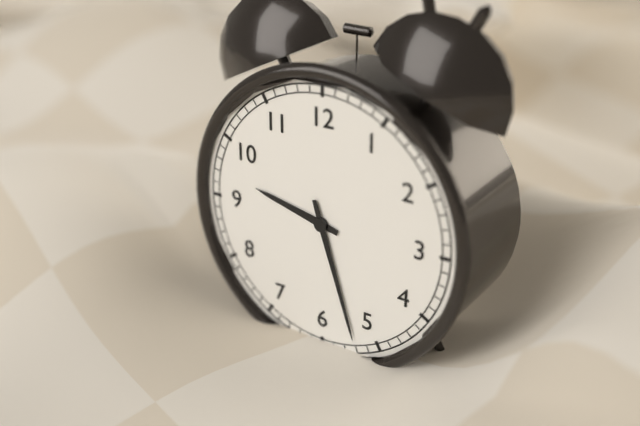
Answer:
9 h 27 min
